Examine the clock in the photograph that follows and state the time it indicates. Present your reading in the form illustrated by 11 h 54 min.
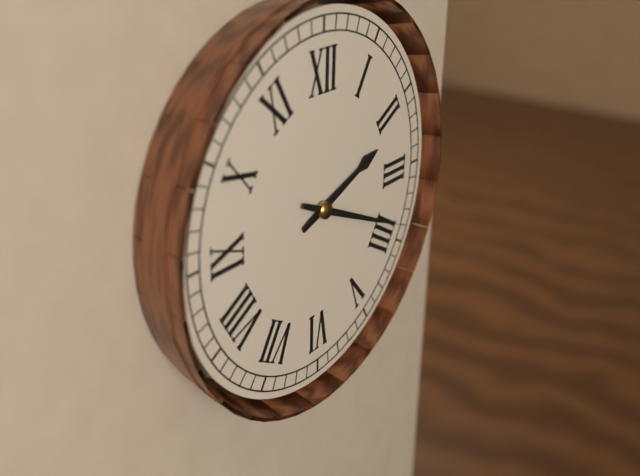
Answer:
2 h 19 min
